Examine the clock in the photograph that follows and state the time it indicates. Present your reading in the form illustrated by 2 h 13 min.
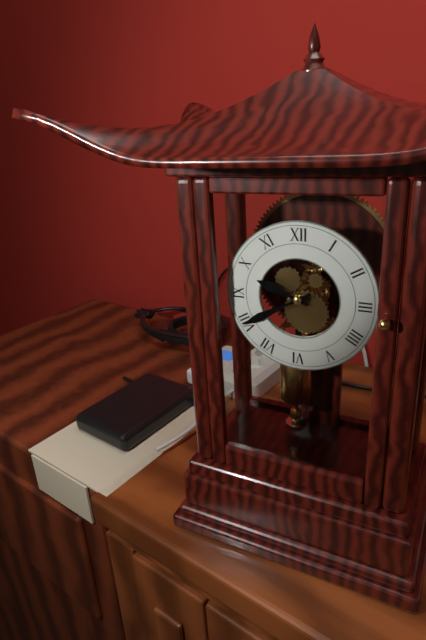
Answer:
9 h 40 min
